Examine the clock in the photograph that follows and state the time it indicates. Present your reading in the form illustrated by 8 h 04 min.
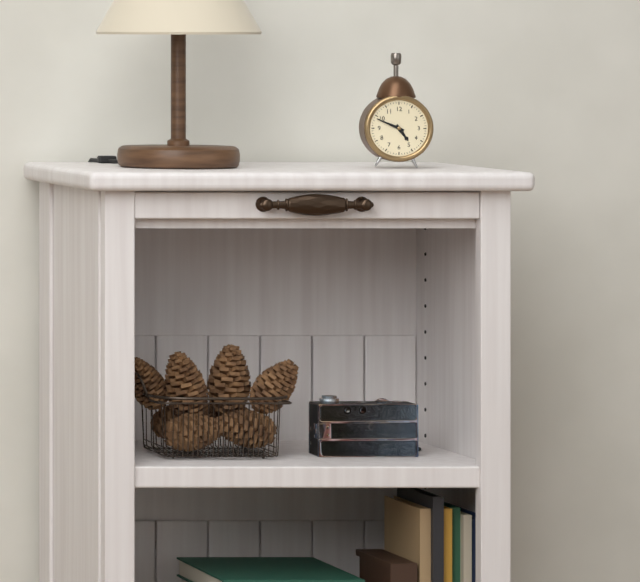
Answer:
4 h 49 min
